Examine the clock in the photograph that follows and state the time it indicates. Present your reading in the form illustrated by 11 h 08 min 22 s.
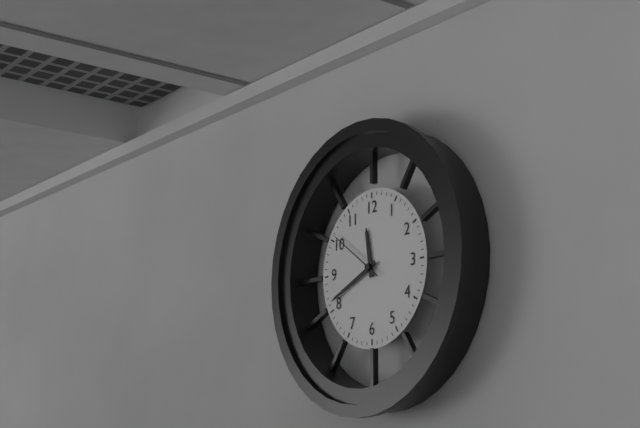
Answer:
11 h 41 min 51 s
